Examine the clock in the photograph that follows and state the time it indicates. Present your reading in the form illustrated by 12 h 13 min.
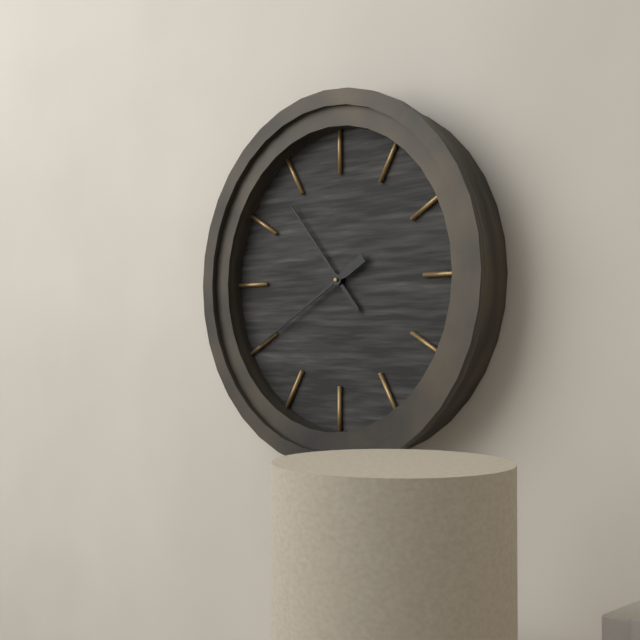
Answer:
10 h 40 min
